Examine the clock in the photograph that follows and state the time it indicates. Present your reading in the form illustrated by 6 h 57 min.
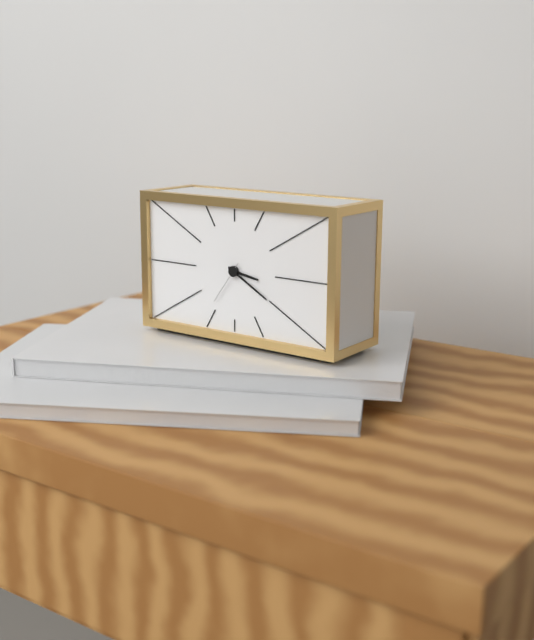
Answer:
3 h 20 min
